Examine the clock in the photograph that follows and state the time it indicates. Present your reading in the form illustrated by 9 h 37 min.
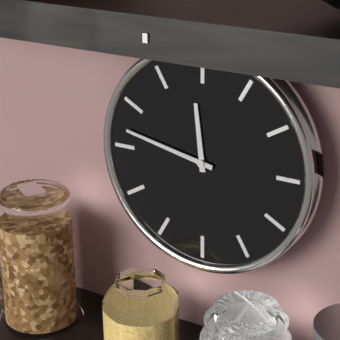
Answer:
11 h 47 min
